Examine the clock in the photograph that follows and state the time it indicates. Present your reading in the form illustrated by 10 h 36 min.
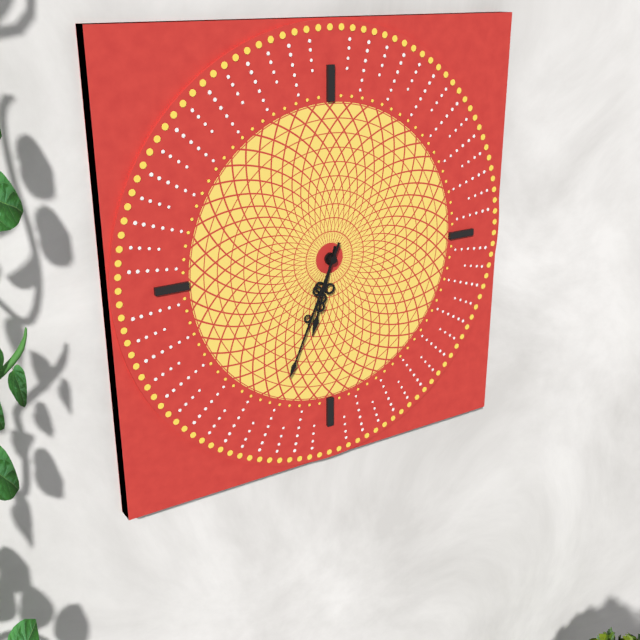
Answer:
6 h 34 min
